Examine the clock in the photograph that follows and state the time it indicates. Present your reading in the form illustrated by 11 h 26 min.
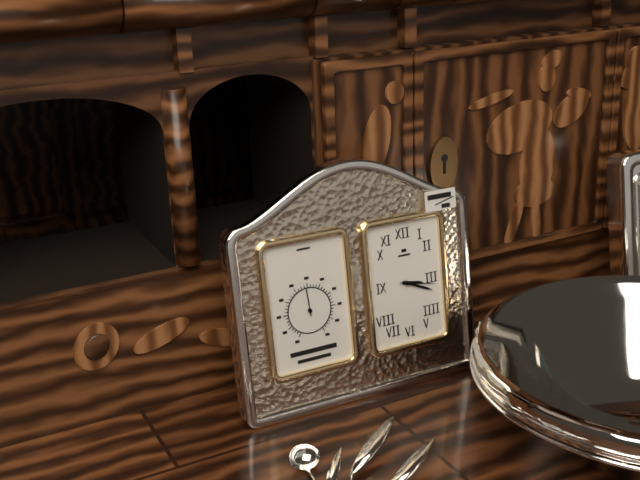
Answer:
3 h 19 min
